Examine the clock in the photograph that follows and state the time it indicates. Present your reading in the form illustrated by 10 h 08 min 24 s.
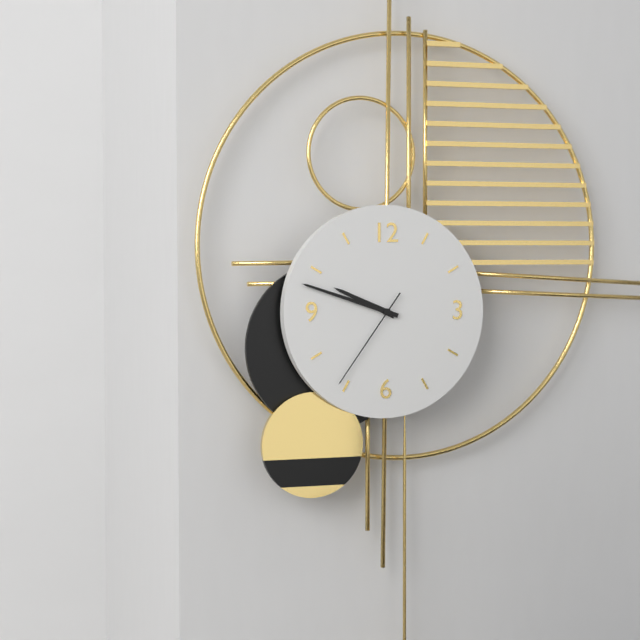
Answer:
9 h 48 min 36 s
